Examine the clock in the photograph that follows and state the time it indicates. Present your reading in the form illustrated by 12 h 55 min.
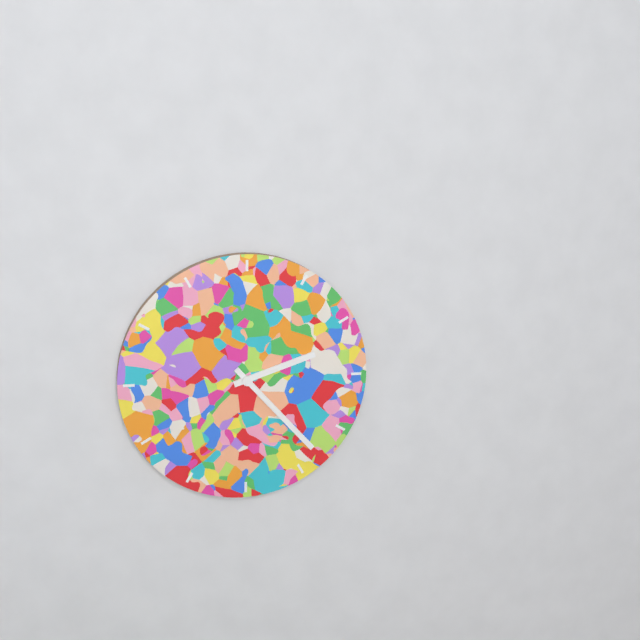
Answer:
2 h 23 min
